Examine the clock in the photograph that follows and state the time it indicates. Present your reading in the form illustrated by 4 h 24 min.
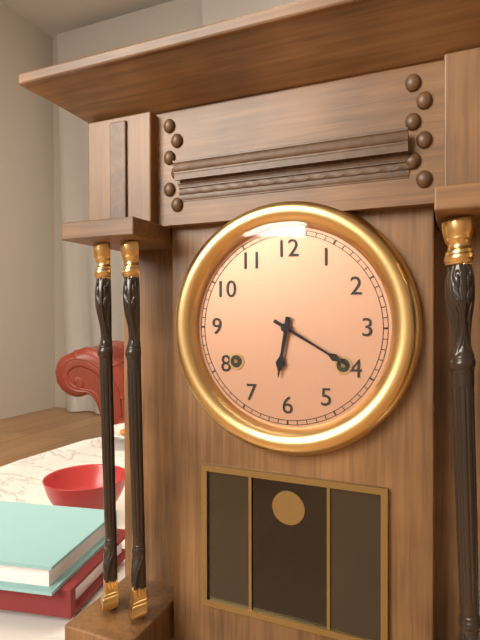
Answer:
6 h 20 min
